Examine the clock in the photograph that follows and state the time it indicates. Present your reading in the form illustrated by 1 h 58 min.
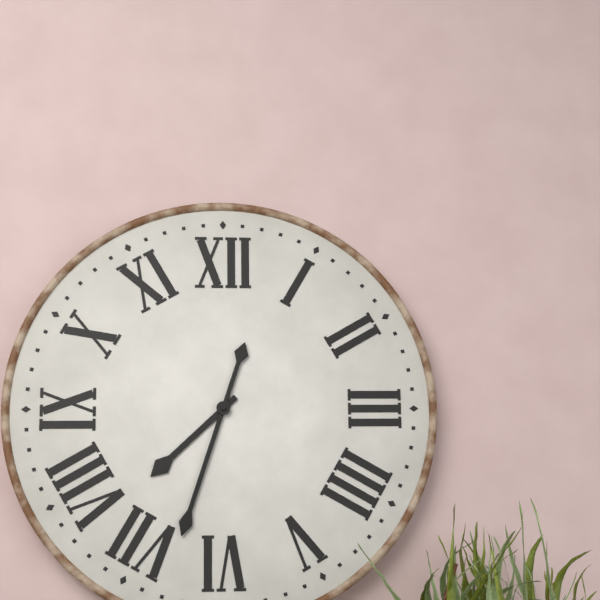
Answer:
7 h 33 min
